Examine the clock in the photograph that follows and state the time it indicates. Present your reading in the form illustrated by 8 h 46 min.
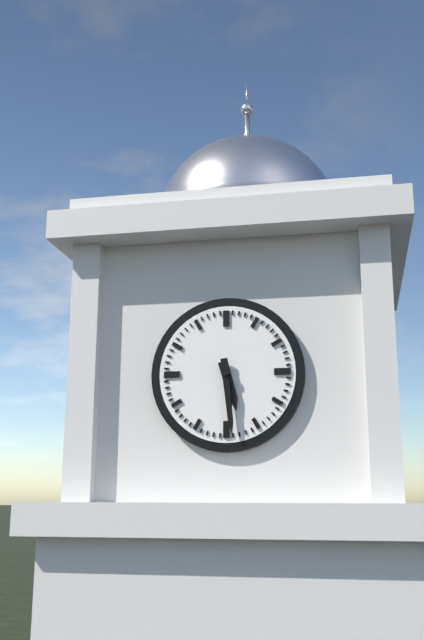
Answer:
5 h 29 min
